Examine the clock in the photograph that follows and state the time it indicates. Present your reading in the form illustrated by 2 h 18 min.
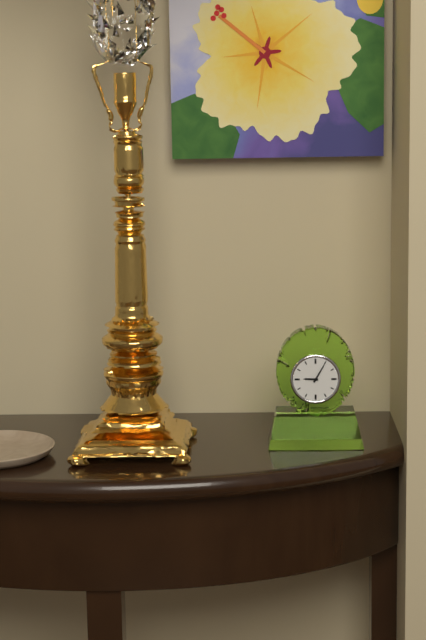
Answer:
9 h 05 min
